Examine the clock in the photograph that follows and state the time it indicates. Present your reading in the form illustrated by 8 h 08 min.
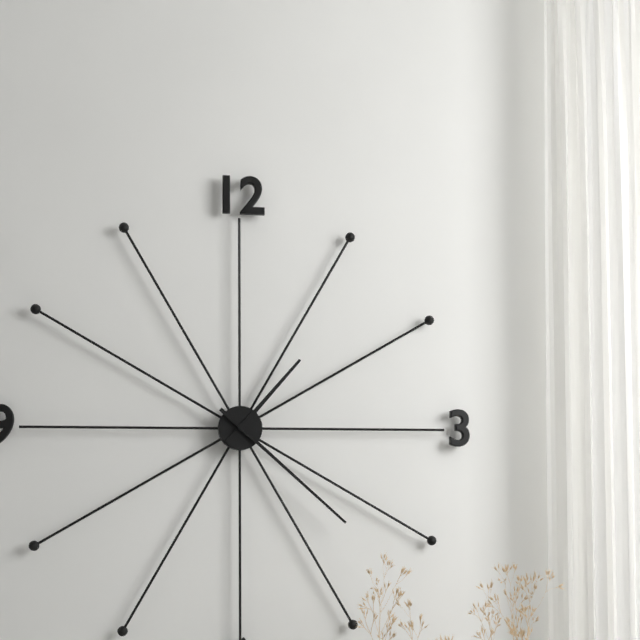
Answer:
1 h 22 min
